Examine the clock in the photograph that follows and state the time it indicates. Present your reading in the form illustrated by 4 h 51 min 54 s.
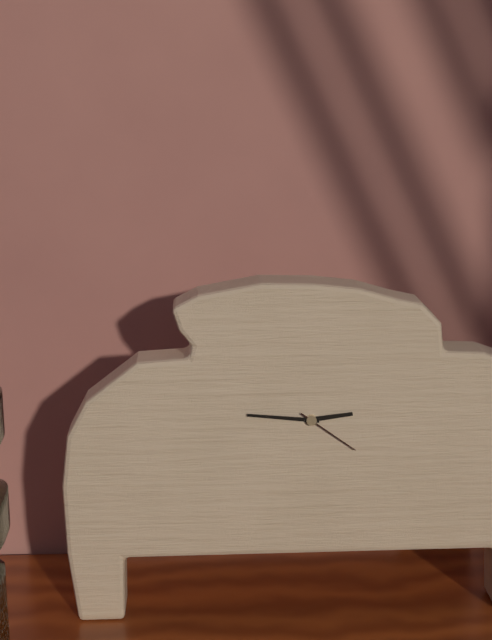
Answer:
2 h 46 min 21 s
